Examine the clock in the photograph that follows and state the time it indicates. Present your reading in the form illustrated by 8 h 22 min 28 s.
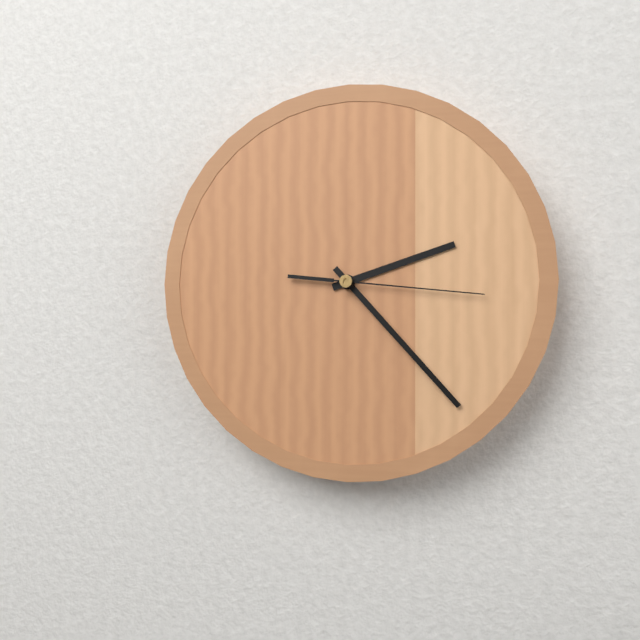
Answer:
2 h 23 min 16 s
